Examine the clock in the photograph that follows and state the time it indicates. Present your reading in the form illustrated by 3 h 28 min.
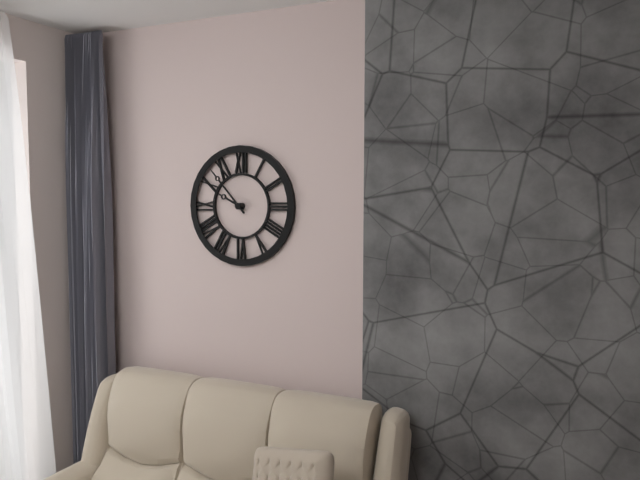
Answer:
9 h 53 min
